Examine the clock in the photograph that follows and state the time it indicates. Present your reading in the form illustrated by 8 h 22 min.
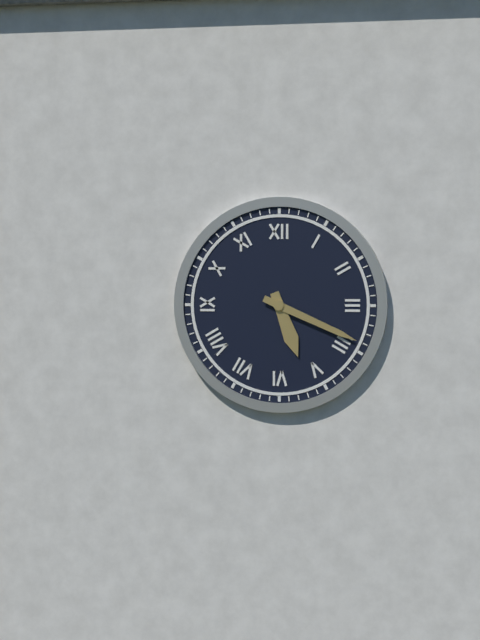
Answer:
5 h 19 min
